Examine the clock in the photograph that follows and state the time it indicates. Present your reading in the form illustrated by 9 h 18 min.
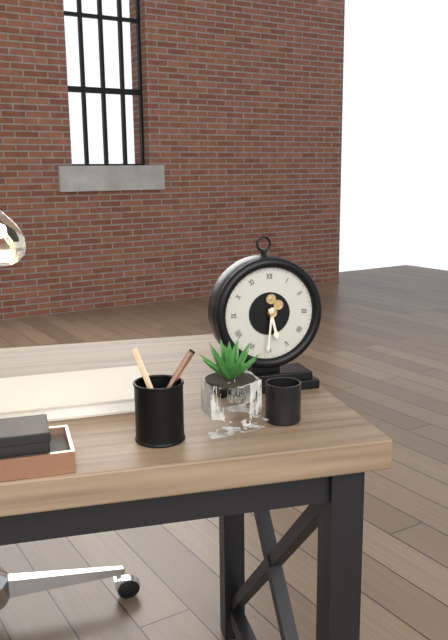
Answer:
5 h 31 min
